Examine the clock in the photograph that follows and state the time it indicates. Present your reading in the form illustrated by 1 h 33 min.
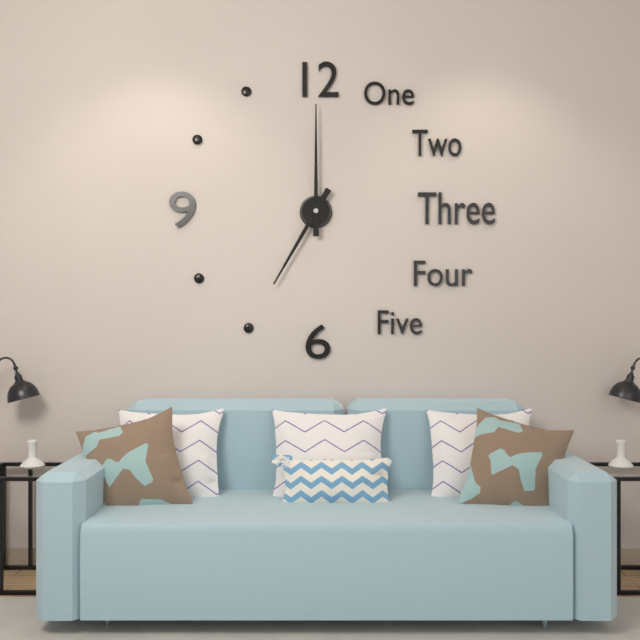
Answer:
7 h 00 min
